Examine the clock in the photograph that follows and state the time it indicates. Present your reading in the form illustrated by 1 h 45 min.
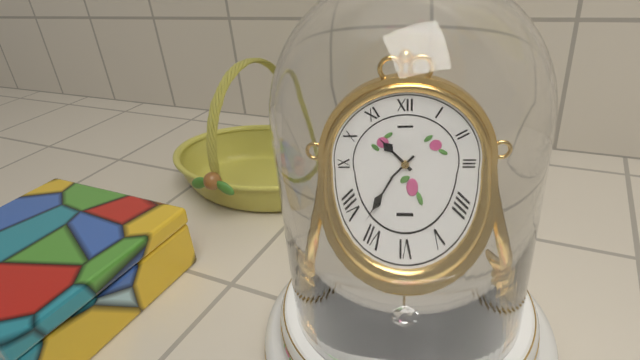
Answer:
10 h 37 min
